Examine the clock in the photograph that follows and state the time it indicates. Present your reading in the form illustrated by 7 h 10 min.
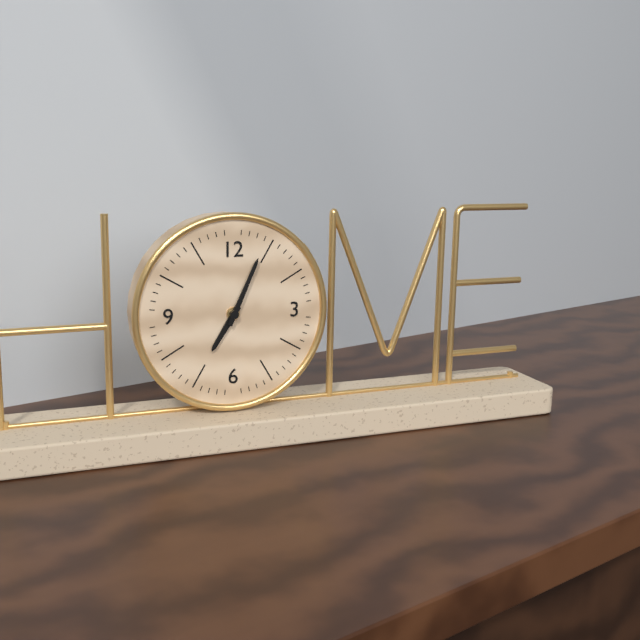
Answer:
7 h 04 min
